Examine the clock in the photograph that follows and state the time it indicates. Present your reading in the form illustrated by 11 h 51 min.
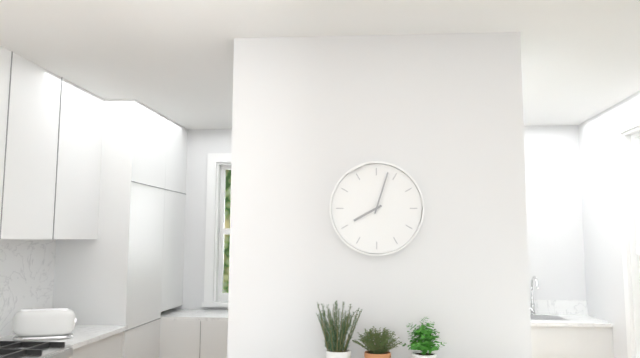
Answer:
8 h 03 min
